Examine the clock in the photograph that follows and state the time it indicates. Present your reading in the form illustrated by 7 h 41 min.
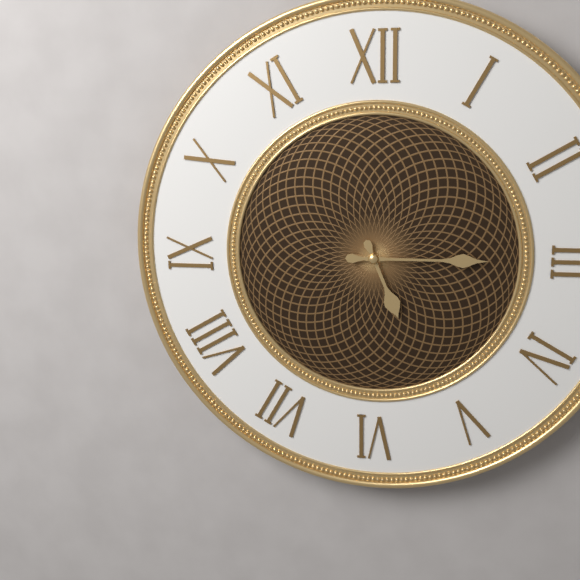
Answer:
5 h 15 min
